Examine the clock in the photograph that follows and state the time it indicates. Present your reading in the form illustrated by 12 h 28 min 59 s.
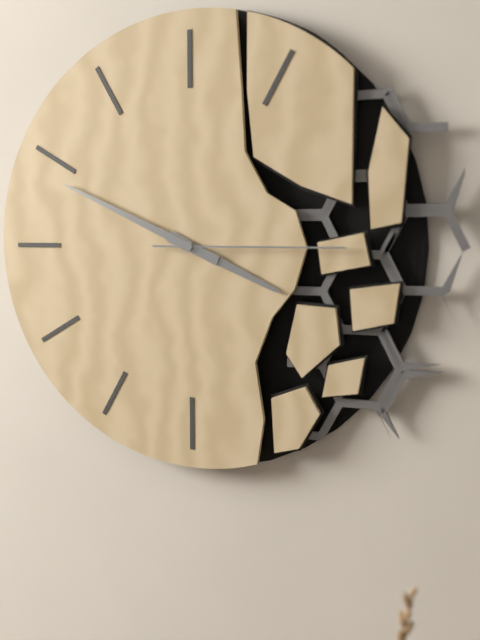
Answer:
3 h 49 min 15 s
